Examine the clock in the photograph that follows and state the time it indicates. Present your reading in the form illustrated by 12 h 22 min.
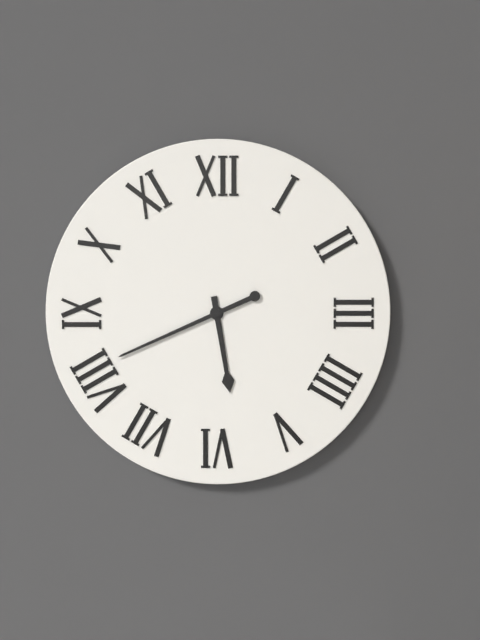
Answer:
5 h 41 min
